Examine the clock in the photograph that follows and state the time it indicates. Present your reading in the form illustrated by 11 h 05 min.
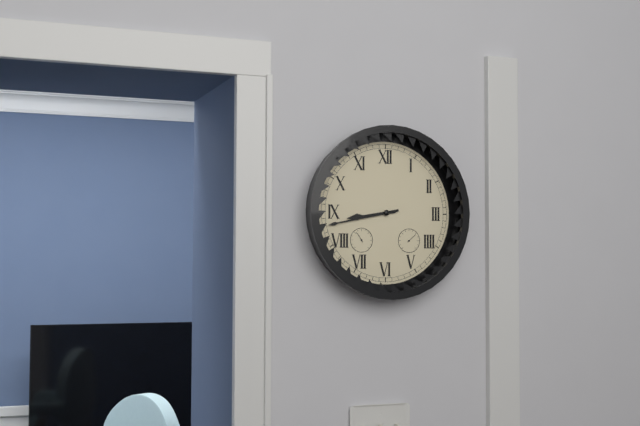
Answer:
8 h 43 min
